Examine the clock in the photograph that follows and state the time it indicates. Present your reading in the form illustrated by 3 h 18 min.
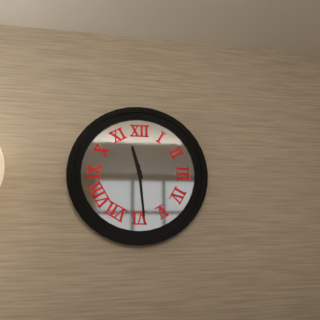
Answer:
11 h 29 min
